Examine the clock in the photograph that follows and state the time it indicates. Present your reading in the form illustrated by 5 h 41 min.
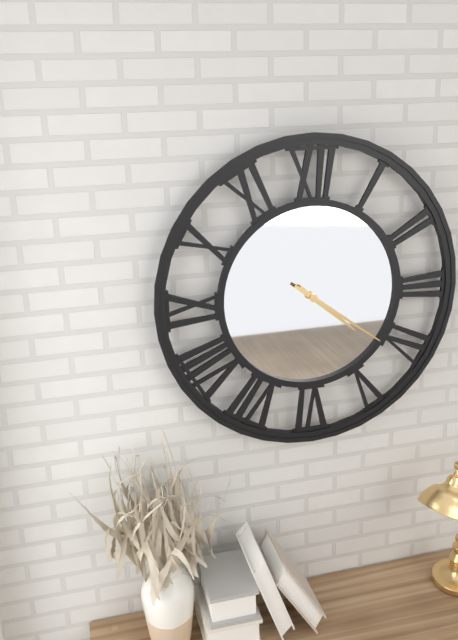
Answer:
4 h 21 min
